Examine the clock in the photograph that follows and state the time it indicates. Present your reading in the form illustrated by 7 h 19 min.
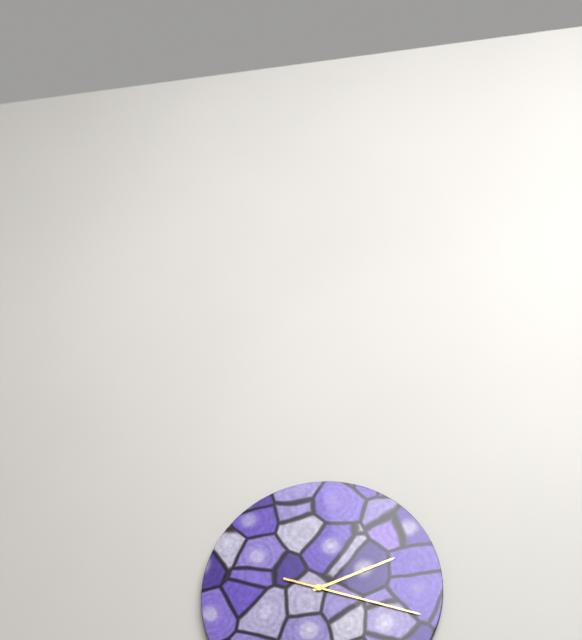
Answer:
2 h 18 min
